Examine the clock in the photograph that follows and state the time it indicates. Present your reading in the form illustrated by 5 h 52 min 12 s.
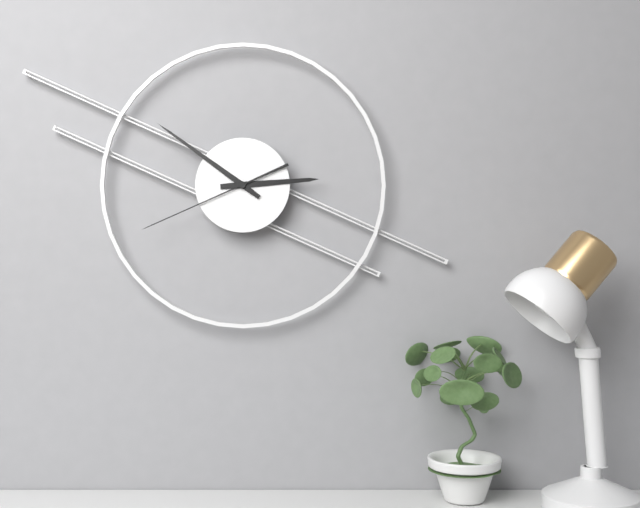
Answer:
2 h 51 min 41 s
